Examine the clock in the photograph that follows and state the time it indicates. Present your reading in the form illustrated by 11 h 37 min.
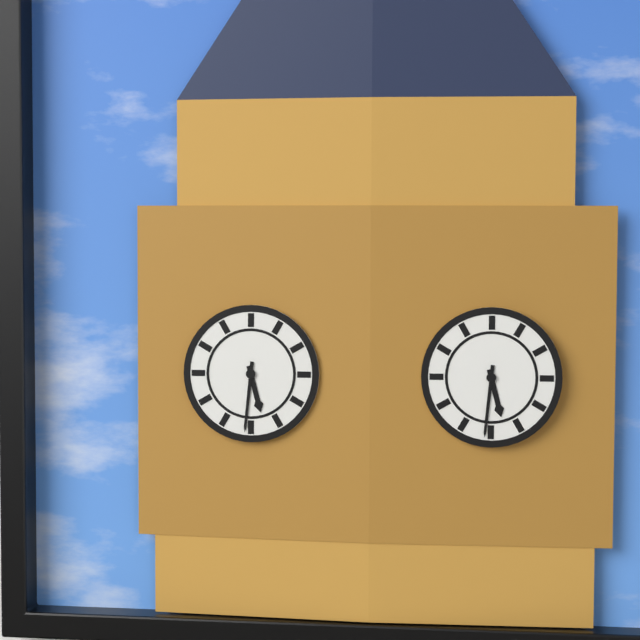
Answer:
5 h 31 min
